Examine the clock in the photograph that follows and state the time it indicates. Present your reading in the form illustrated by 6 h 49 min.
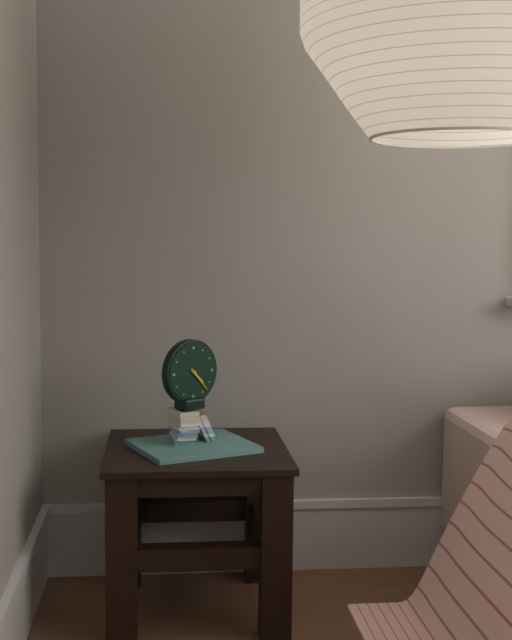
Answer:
4 h 23 min
